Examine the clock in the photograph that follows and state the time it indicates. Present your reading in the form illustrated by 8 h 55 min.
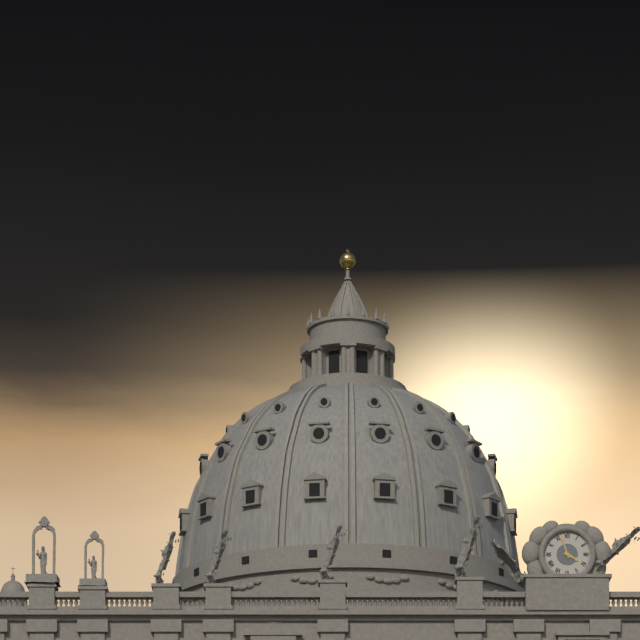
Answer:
3 h 57 min
